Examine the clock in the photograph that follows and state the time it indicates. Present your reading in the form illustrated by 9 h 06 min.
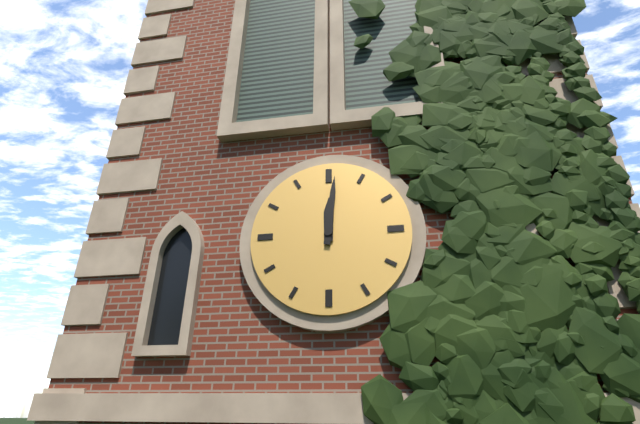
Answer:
12 h 01 min
